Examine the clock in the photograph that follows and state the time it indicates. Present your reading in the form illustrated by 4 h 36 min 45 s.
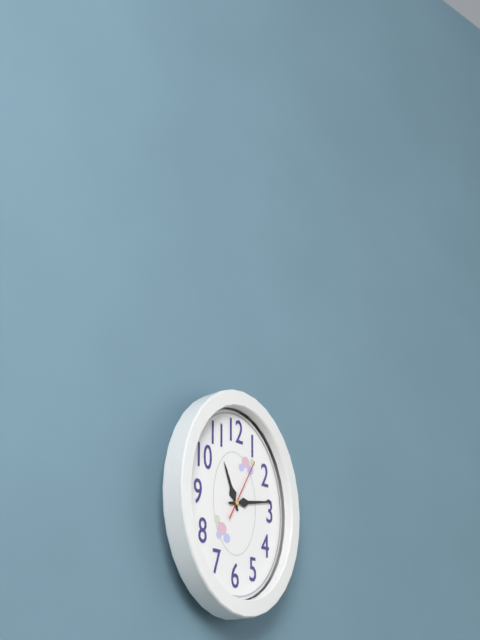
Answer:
11 h 13 min 05 s
